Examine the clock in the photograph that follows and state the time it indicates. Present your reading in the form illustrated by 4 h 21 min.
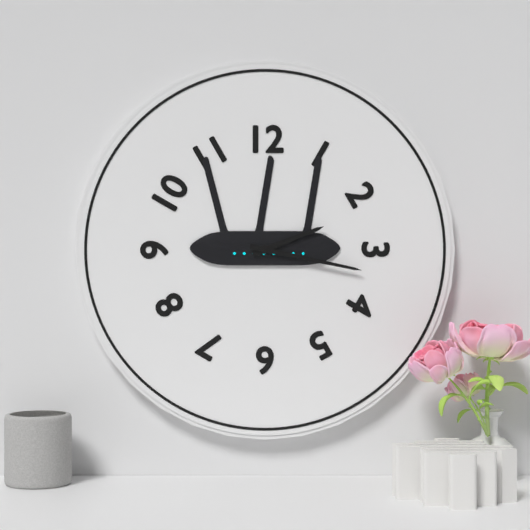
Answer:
2 h 17 min
